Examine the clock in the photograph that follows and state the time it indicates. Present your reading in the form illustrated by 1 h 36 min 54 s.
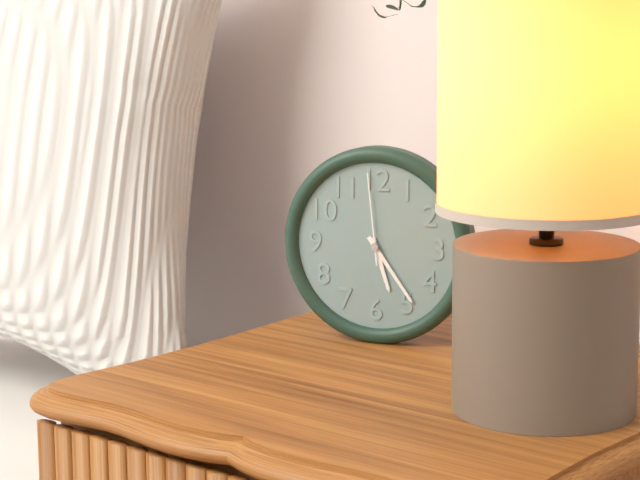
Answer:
5 h 24 min 59 s
